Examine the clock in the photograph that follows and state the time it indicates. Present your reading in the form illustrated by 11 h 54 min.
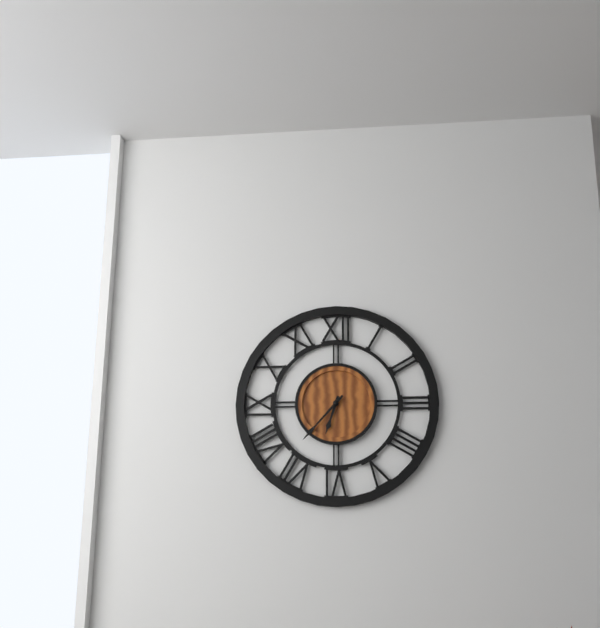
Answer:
6 h 37 min
